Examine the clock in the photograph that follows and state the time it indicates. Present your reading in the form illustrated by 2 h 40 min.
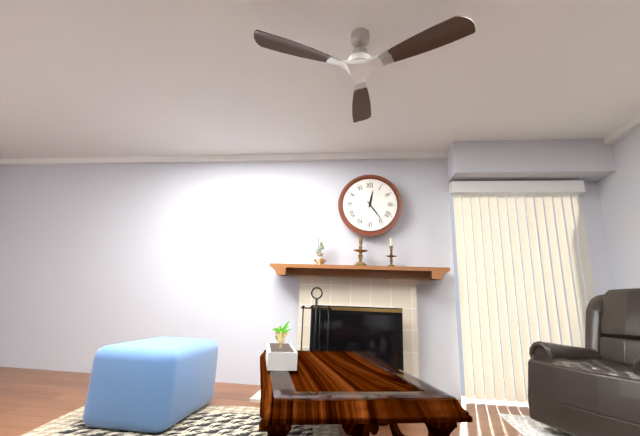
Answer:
12 h 24 min
